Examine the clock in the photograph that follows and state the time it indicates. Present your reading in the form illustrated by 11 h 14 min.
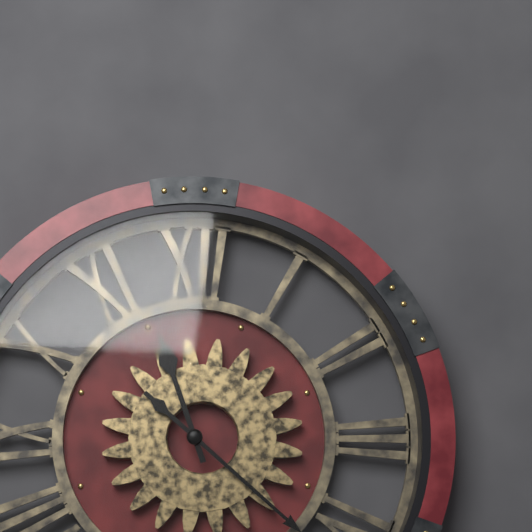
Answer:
11 h 22 min
